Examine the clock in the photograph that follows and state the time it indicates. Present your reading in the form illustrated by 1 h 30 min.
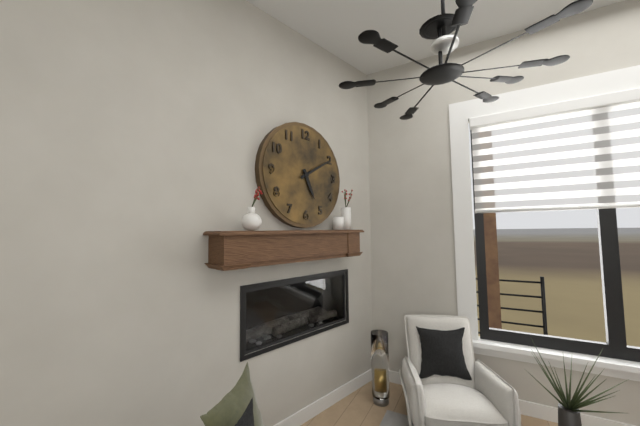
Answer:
5 h 10 min
